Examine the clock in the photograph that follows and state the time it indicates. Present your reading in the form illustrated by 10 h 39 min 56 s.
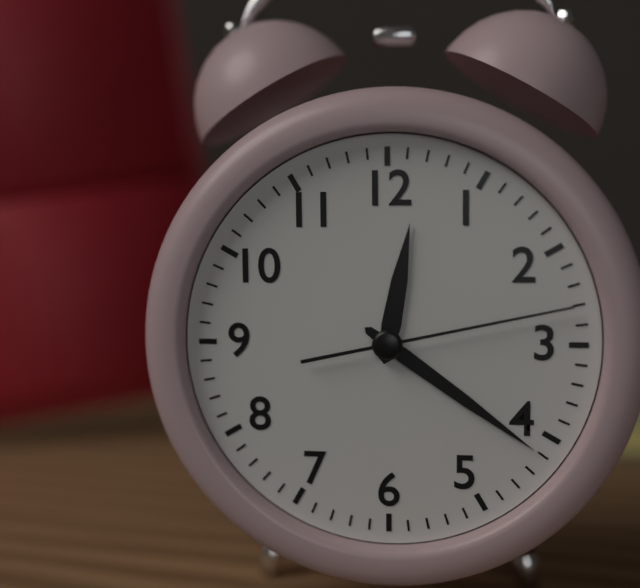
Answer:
12 h 21 min 13 s
